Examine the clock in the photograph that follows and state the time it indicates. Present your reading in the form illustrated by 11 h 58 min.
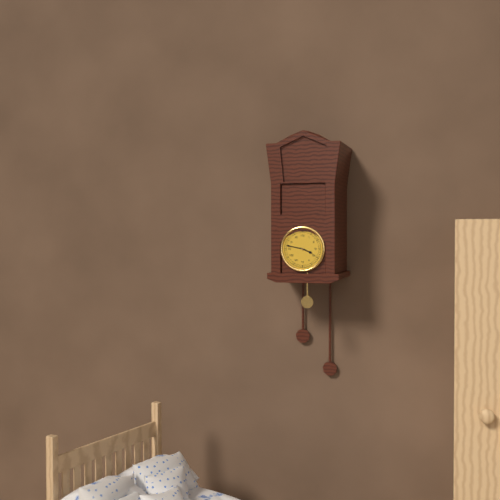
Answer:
3 h 47 min
